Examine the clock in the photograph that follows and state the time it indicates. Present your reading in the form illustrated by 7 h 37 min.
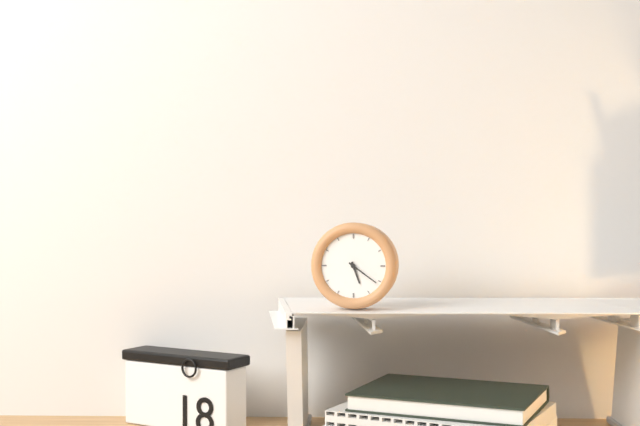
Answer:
5 h 21 min
